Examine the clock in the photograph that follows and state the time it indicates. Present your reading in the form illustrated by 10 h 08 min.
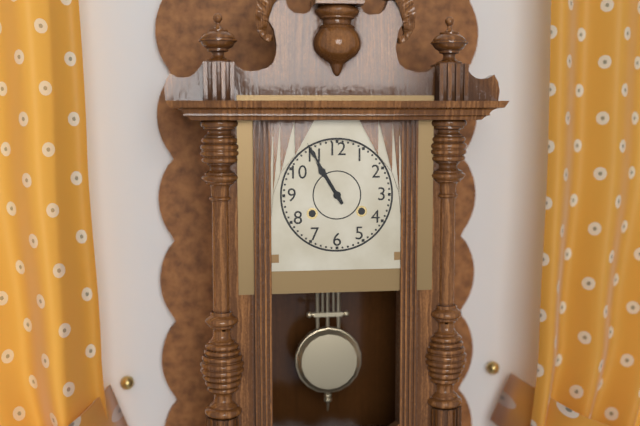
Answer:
10 h 55 min
